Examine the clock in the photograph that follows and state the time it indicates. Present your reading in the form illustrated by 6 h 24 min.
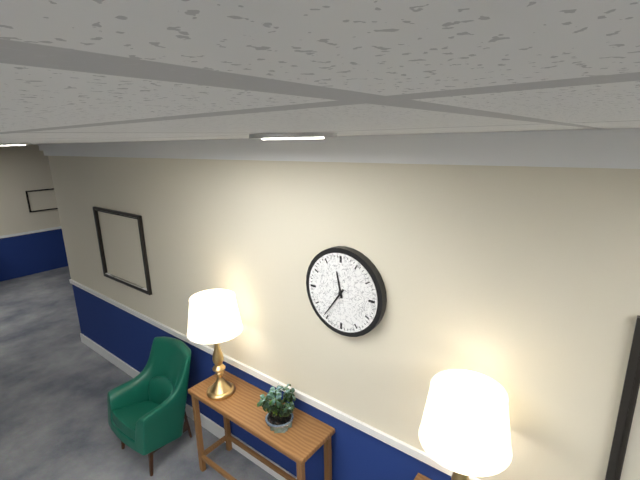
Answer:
11 h 36 min
